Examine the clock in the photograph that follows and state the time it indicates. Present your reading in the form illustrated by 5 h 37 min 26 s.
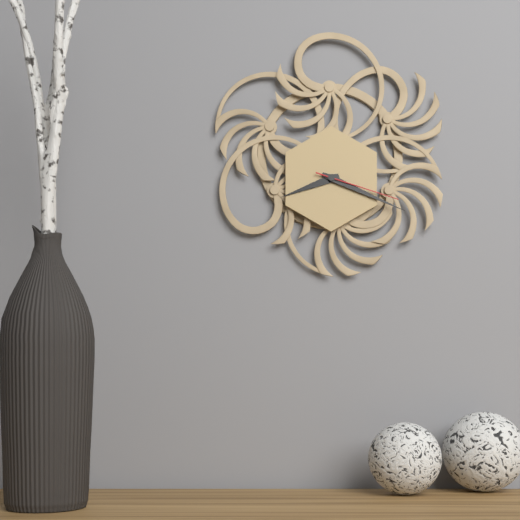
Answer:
8 h 19 min 18 s
